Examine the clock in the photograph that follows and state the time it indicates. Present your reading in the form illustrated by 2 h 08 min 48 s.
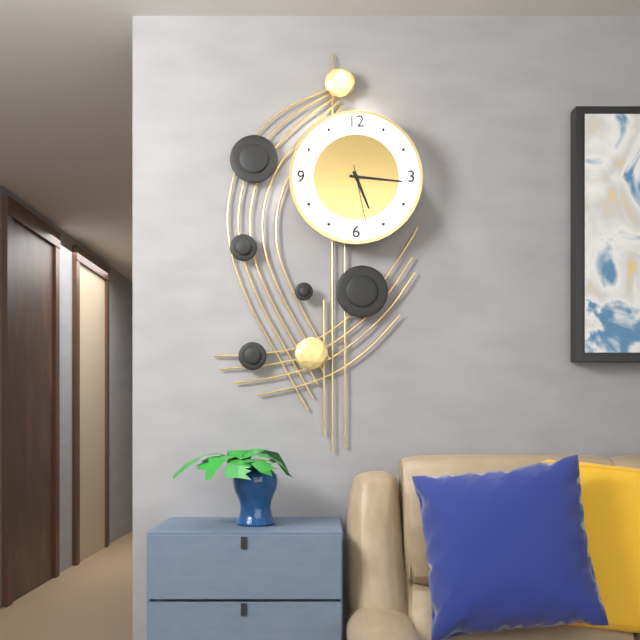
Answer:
5 h 16 min 28 s
